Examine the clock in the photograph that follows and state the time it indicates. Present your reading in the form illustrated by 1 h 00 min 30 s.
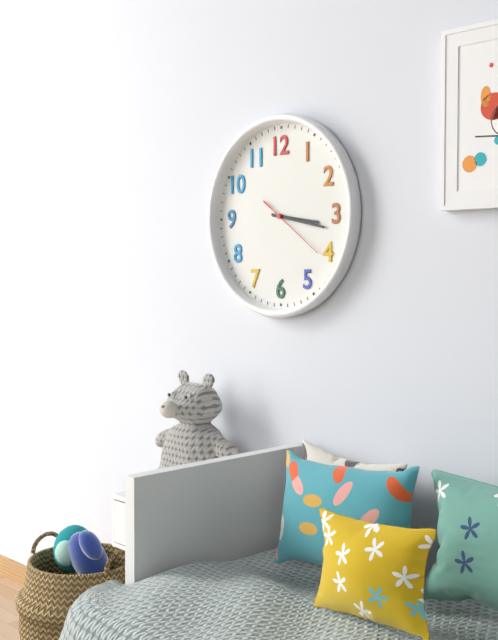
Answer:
3 h 17 min 21 s
